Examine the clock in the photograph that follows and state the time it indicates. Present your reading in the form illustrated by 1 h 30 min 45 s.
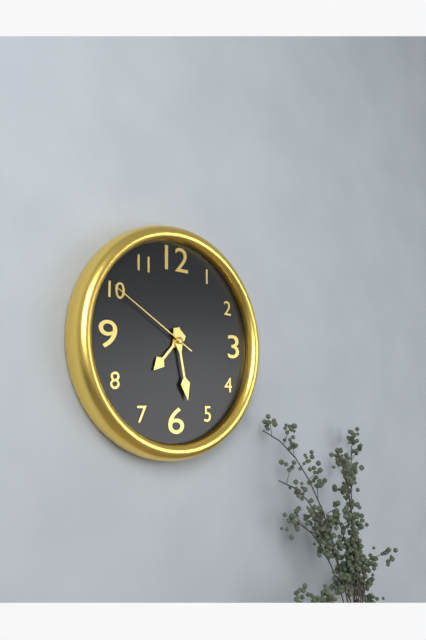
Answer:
7 h 28 min 50 s
